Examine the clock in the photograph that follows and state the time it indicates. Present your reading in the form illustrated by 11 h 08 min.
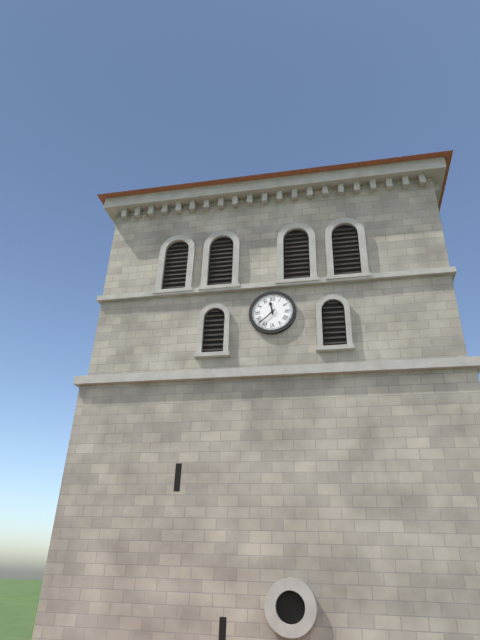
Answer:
11 h 38 min
